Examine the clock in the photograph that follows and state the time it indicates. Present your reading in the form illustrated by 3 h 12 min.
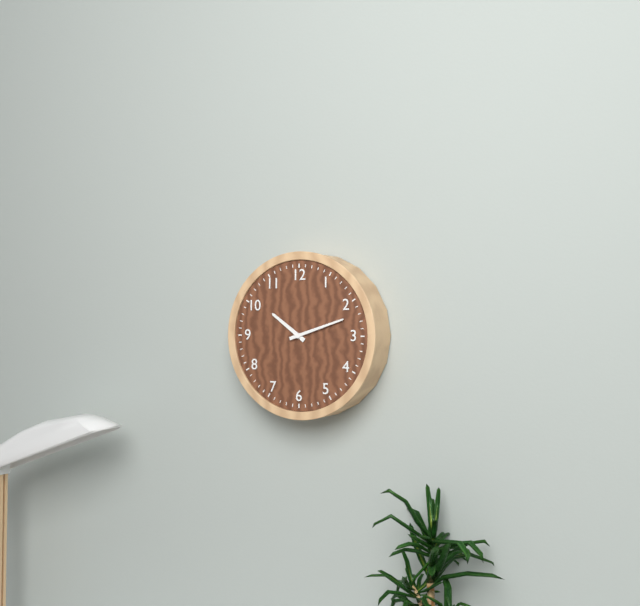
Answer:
10 h 12 min
